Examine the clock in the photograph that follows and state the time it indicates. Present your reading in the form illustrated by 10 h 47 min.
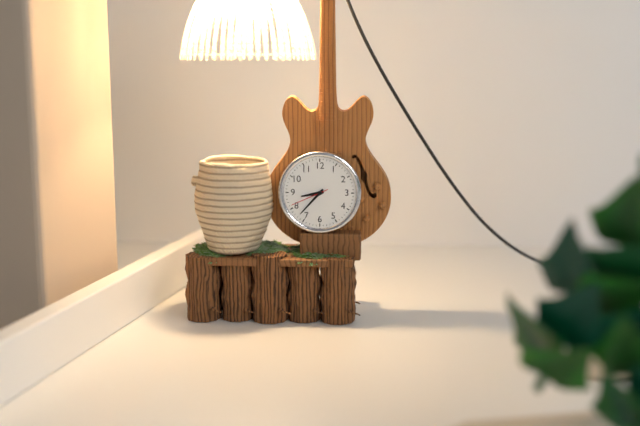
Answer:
8 h 37 min
